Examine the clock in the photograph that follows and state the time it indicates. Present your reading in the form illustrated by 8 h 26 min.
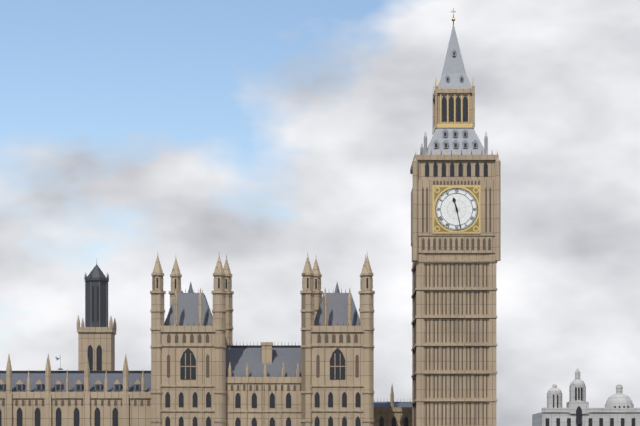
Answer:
11 h 28 min
